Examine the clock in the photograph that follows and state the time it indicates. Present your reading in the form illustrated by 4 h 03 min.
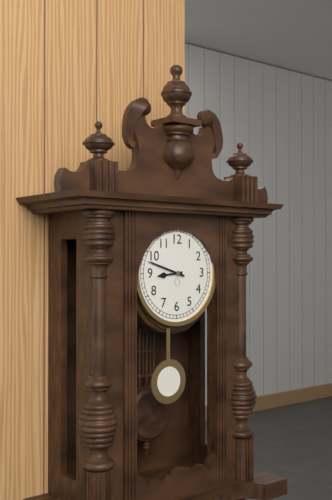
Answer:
8 h 48 min
